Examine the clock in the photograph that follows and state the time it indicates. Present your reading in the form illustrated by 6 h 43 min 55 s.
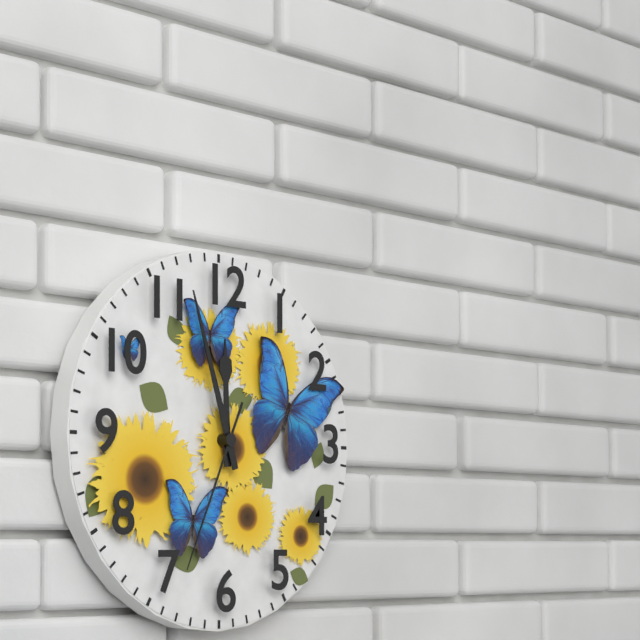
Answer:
11 h 57 min 34 s
